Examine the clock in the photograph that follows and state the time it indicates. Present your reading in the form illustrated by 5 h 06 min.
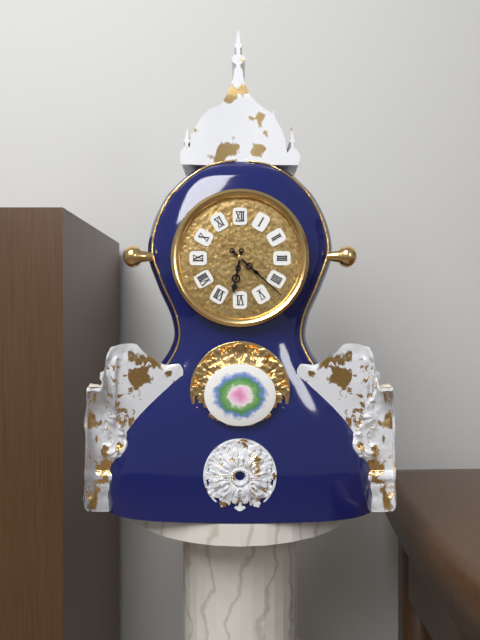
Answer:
6 h 22 min
